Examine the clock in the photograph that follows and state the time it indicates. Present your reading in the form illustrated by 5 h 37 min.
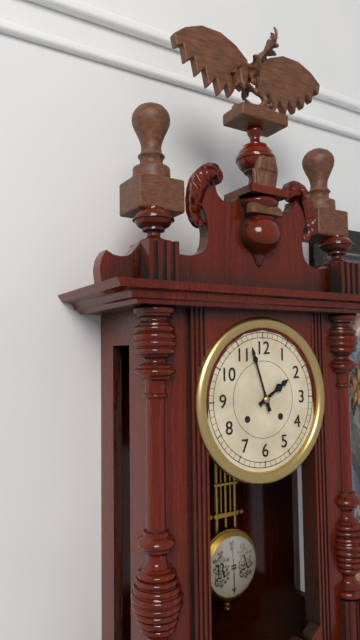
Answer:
1 h 57 min
